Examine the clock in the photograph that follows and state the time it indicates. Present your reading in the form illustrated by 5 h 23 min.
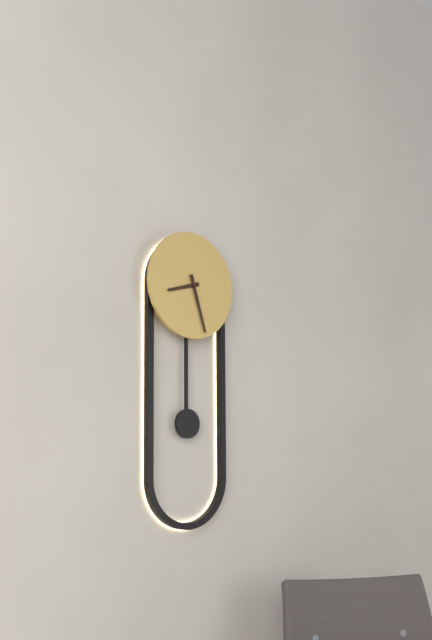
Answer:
8 h 27 min
